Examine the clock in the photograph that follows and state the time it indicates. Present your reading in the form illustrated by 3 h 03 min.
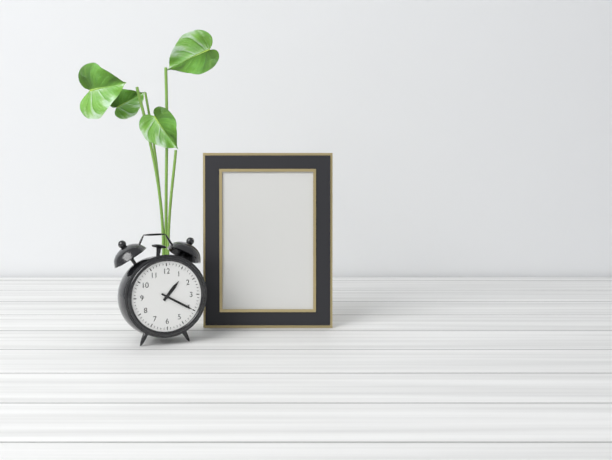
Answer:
1 h 20 min
